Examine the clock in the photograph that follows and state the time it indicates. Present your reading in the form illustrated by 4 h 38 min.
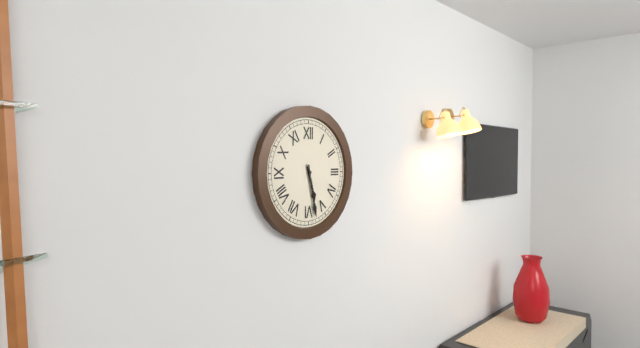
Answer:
5 h 28 min
